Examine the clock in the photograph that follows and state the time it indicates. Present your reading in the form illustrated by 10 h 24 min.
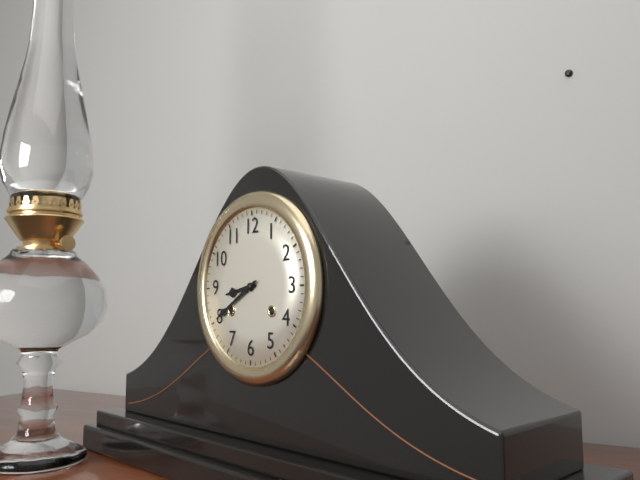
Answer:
8 h 40 min
